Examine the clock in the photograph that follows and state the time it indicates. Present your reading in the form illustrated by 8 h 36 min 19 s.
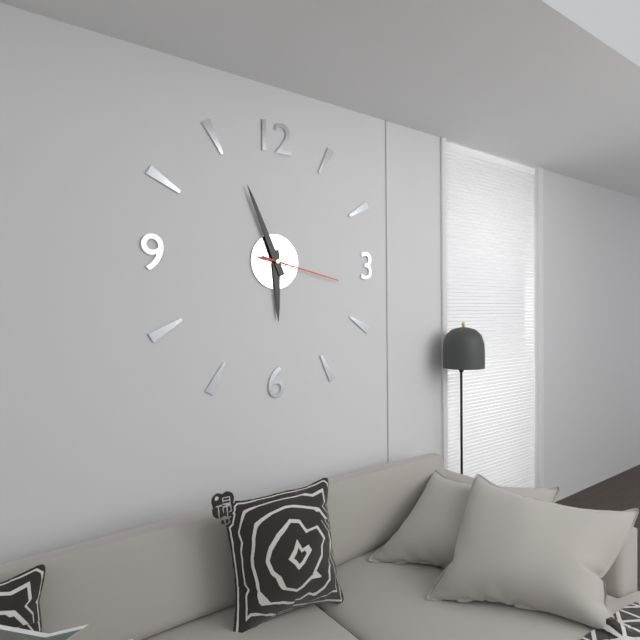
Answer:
5 h 56 min 17 s
